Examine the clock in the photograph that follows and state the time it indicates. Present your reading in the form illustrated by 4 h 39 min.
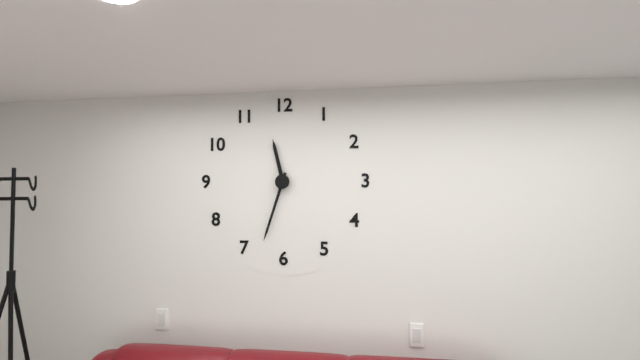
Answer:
11 h 33 min
